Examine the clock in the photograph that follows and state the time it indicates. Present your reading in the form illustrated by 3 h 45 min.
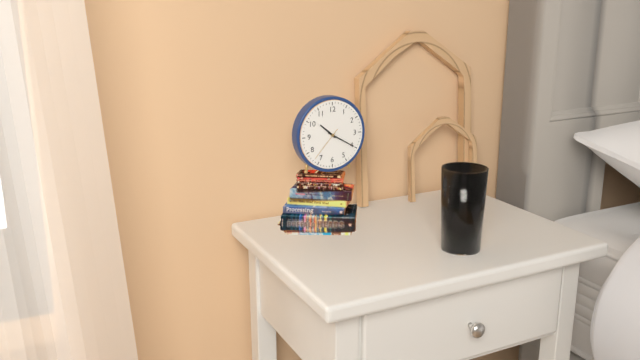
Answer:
10 h 20 min
